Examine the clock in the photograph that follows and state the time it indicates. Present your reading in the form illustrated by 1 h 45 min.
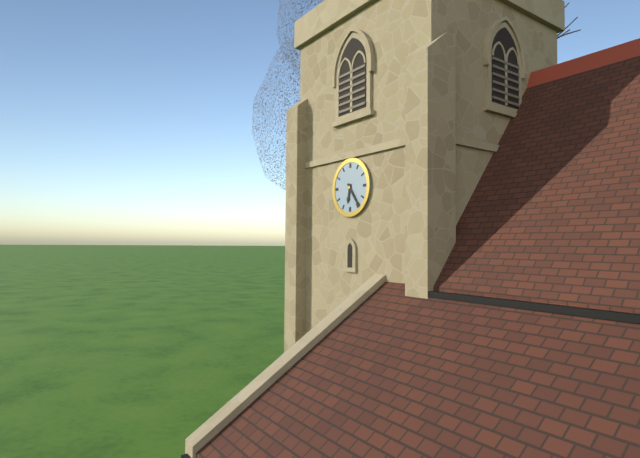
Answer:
6 h 24 min
